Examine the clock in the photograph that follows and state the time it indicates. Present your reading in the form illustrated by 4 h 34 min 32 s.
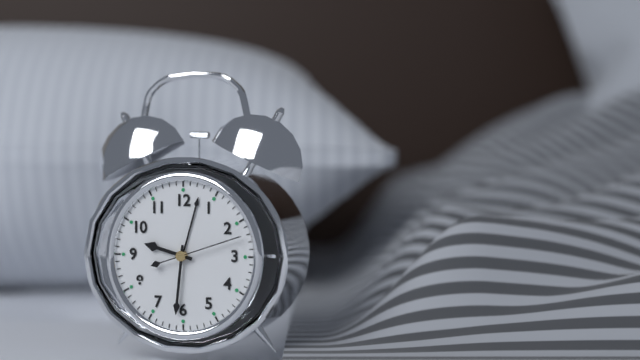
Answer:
9 h 31 min 12 s
